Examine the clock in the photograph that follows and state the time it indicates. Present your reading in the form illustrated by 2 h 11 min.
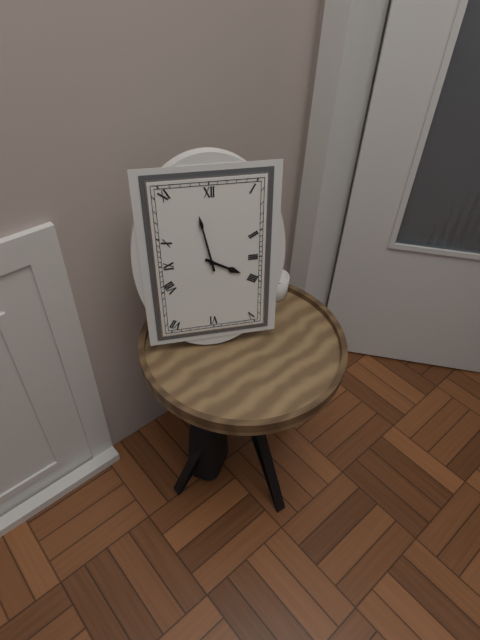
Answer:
3 h 58 min
